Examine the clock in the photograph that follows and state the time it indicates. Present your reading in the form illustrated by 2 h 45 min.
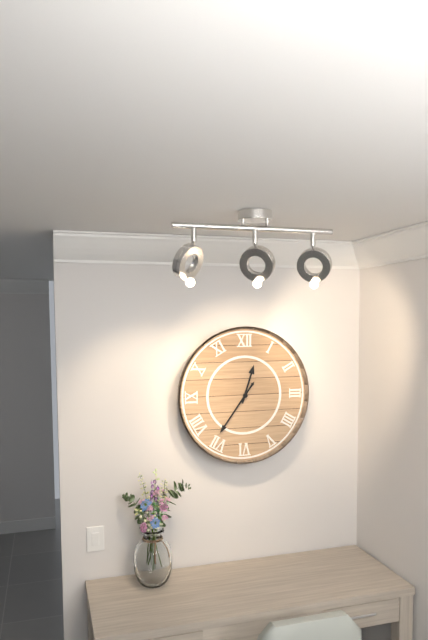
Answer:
12 h 36 min
